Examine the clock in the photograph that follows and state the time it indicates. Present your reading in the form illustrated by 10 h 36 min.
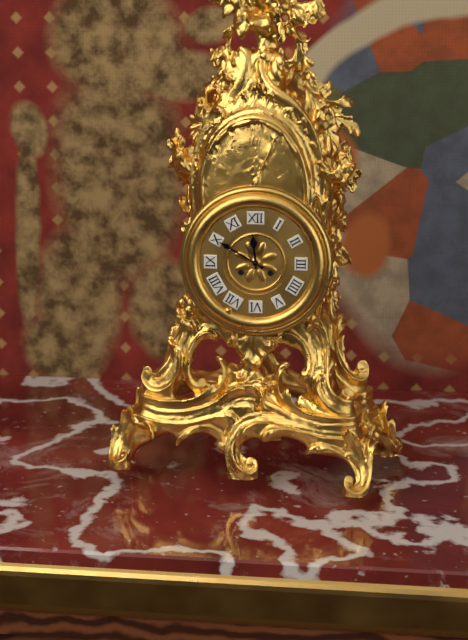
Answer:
11 h 50 min
